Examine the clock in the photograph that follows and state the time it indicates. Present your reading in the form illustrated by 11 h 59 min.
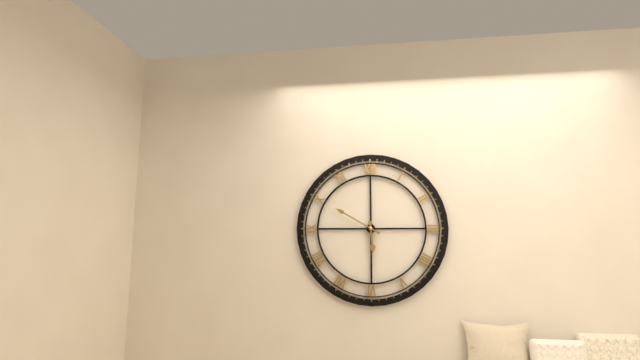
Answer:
5 h 50 min
